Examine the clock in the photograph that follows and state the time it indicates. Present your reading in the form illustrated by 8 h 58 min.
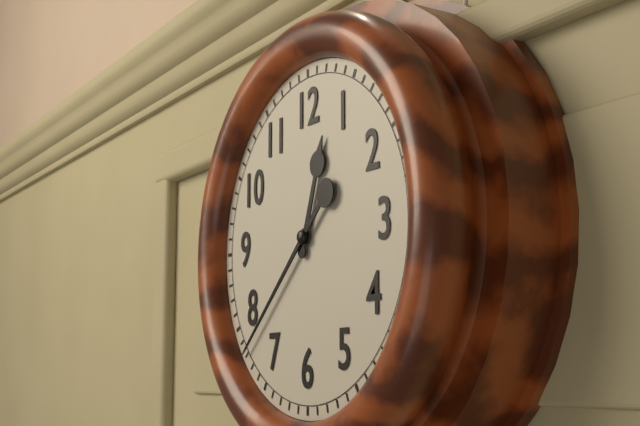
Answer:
12 h 38 min
